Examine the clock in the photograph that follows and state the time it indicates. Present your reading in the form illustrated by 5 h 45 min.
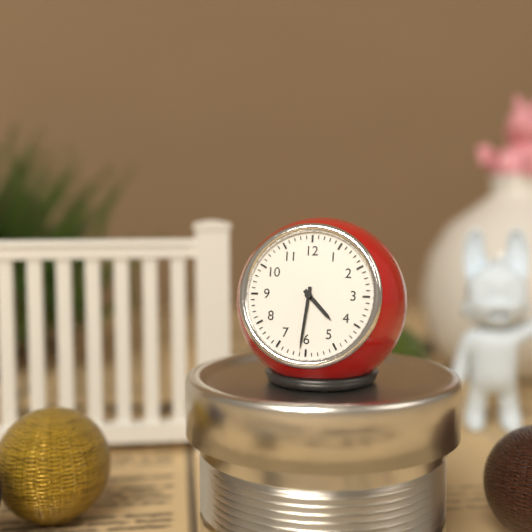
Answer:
4 h 31 min
